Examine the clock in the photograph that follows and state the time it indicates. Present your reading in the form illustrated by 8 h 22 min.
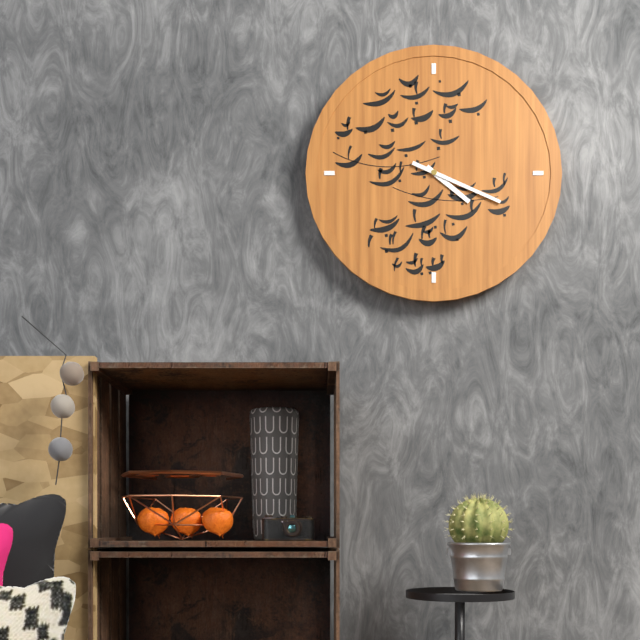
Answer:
4 h 19 min
